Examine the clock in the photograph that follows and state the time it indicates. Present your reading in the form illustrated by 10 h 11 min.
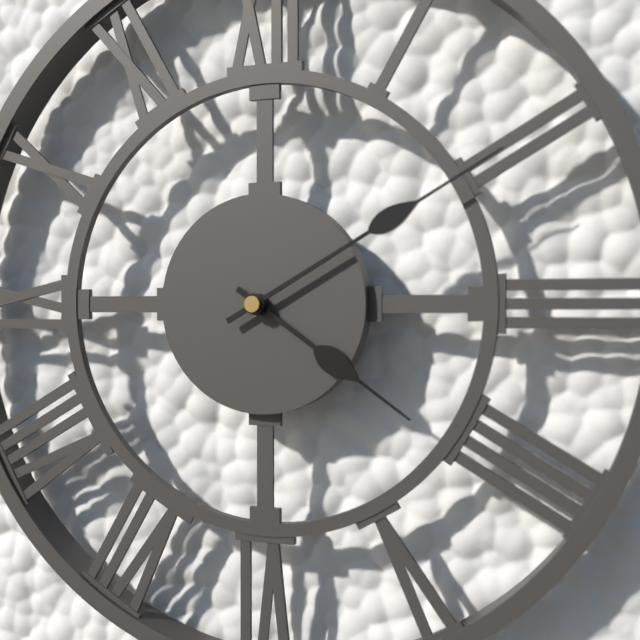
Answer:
4 h 10 min
